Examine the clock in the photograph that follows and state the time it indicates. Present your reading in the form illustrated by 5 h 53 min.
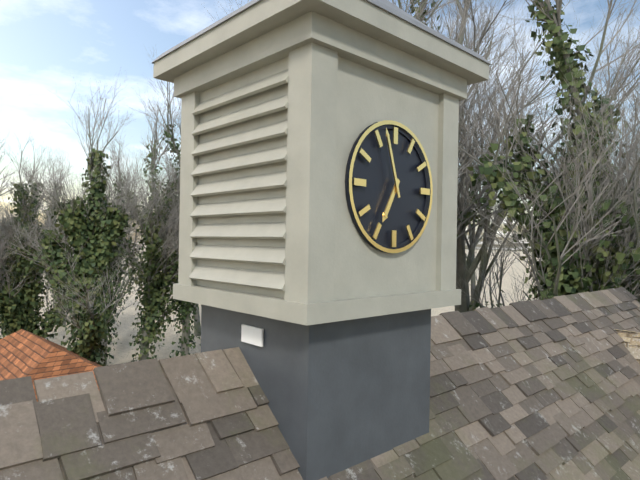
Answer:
6 h 57 min
